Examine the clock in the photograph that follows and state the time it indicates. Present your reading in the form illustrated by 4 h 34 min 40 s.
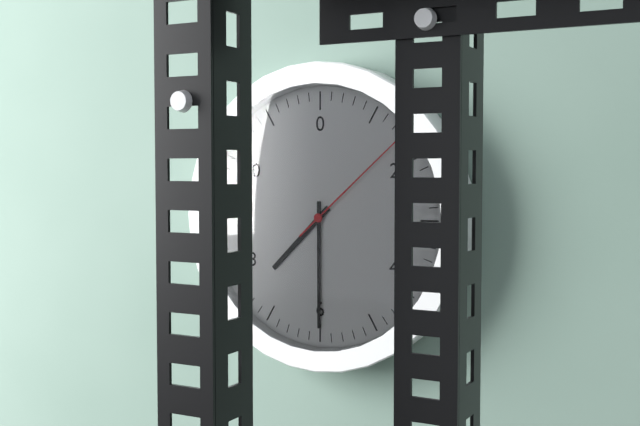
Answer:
7 h 30 min 08 s
